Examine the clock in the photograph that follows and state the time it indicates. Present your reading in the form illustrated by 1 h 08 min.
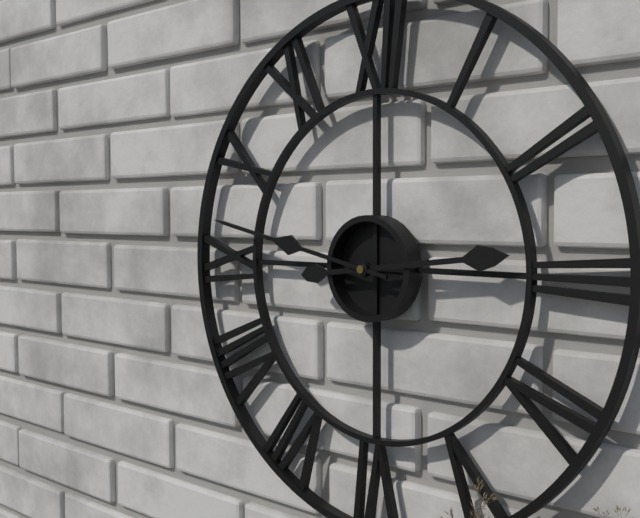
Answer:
2 h 47 min
